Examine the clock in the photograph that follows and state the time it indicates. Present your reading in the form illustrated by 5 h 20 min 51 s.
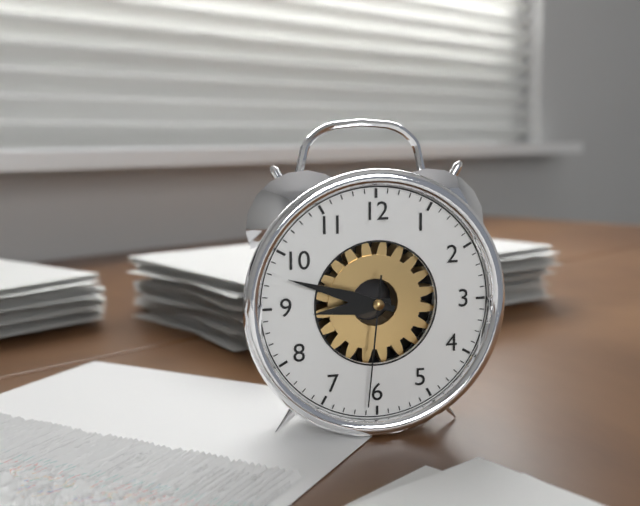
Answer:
8 h 48 min 31 s
